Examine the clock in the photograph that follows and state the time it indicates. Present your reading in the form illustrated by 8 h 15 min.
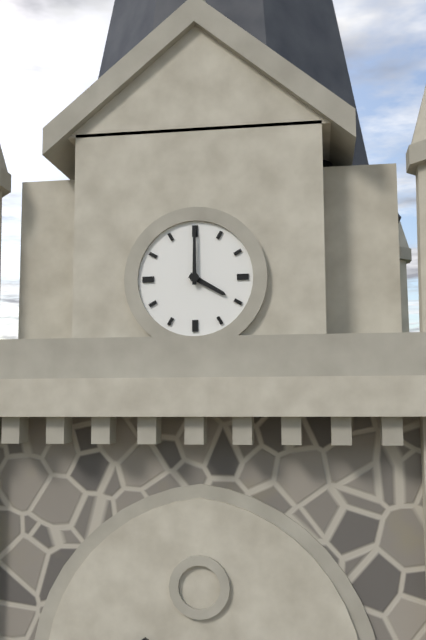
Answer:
4 h 00 min
